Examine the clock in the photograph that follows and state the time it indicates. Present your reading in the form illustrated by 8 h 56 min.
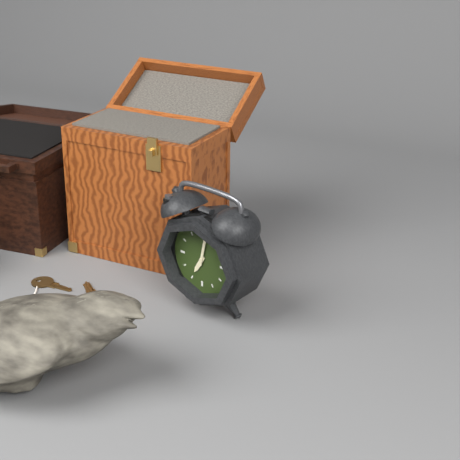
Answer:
7 h 02 min
